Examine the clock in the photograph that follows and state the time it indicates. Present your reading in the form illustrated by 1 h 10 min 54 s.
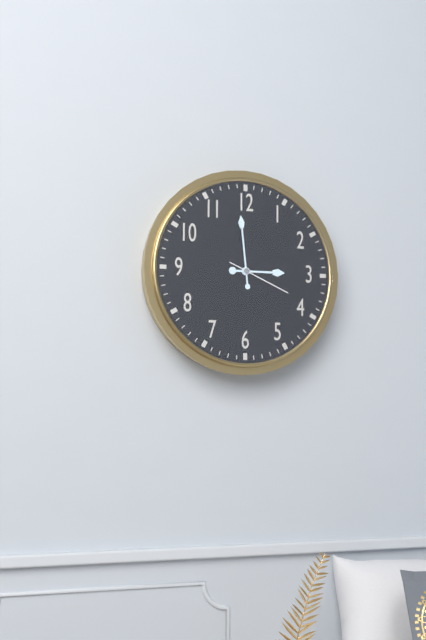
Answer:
2 h 59 min 19 s
